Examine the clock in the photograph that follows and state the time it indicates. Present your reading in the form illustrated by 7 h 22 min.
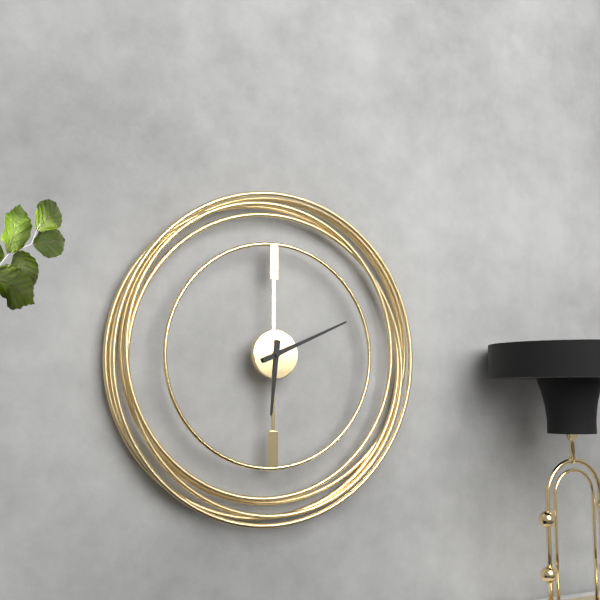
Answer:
6 h 11 min
